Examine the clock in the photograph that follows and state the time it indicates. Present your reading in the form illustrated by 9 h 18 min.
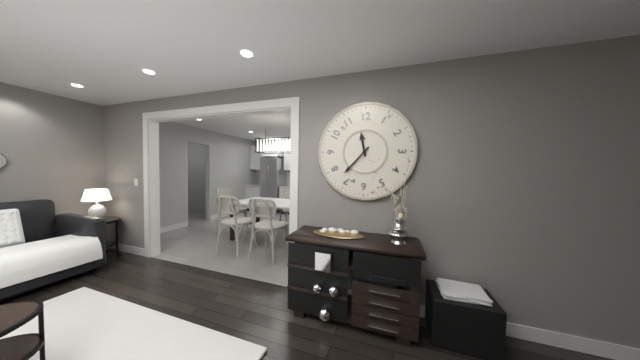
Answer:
11 h 37 min
